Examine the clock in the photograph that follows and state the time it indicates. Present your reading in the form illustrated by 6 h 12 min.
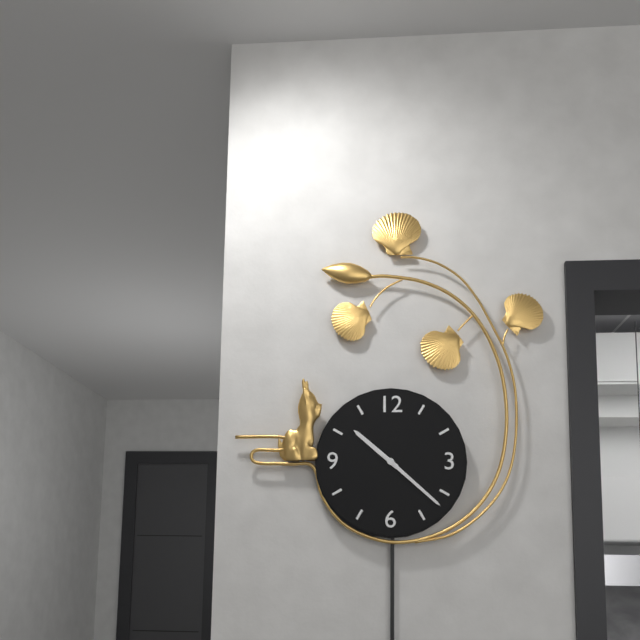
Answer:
10 h 22 min
